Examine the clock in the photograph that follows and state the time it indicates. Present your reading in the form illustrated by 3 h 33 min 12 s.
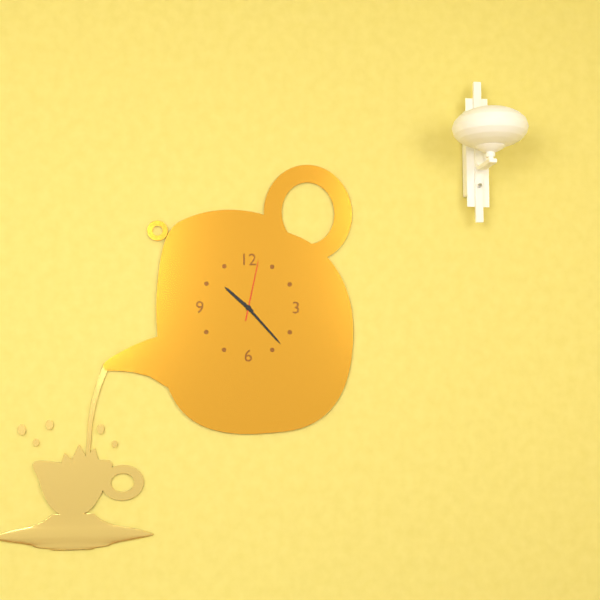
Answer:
10 h 23 min 02 s
